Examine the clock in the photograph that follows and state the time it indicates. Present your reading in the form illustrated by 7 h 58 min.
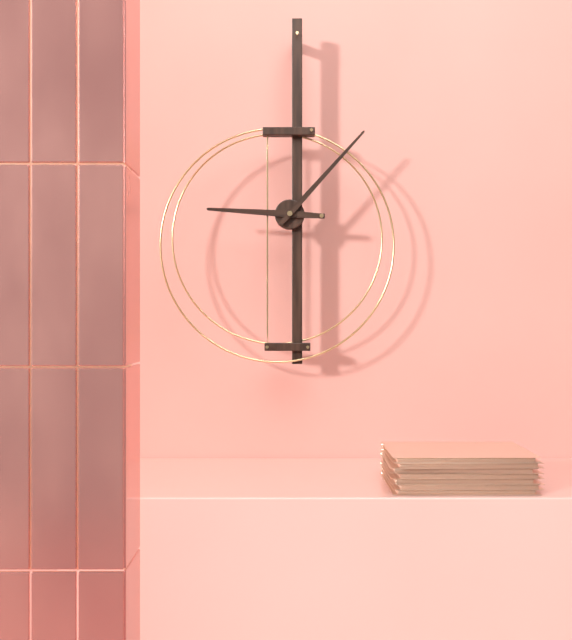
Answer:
9 h 07 min
